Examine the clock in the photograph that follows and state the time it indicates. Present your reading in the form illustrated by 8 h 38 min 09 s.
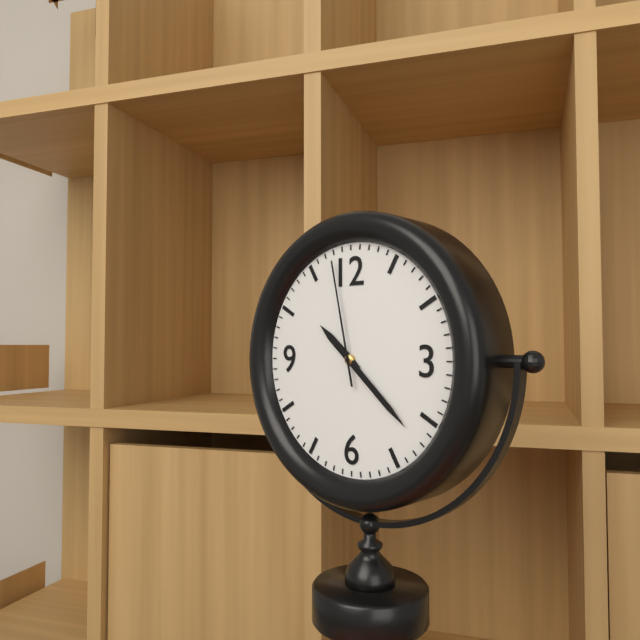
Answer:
10 h 22 min 58 s
